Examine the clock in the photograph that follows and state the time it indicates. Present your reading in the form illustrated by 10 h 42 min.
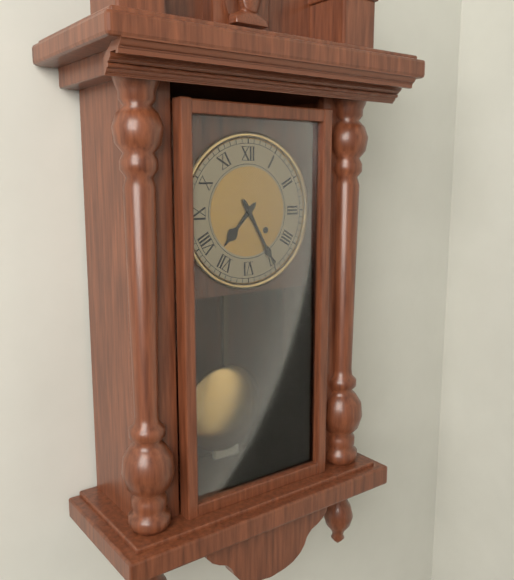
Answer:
7 h 25 min
